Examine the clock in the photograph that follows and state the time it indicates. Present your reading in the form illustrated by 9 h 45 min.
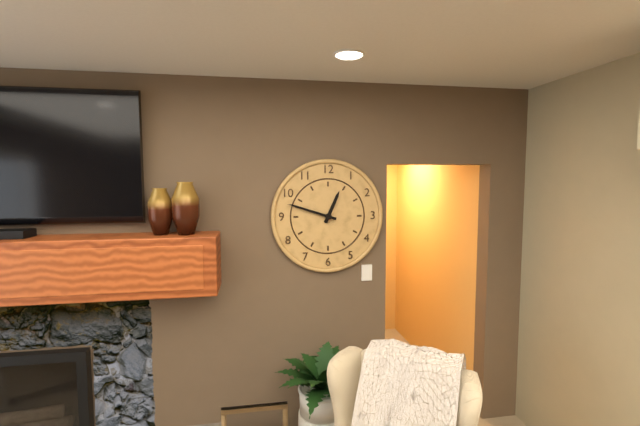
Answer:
12 h 48 min
